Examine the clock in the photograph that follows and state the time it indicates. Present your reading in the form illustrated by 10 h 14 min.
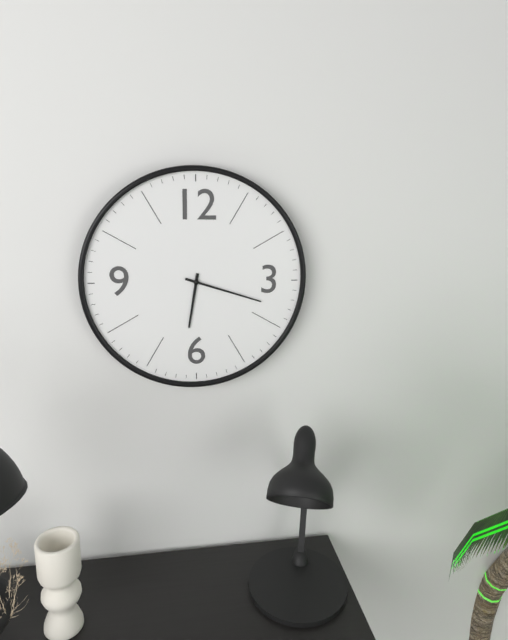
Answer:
6 h 18 min
